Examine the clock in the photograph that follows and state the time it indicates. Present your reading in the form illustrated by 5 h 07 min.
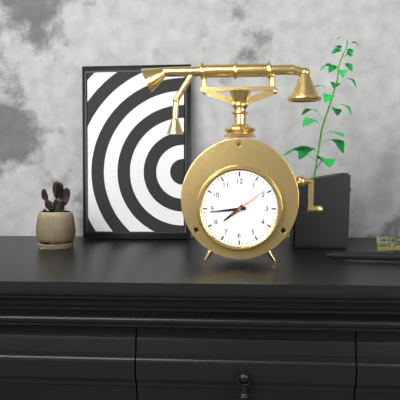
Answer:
7 h 44 min
